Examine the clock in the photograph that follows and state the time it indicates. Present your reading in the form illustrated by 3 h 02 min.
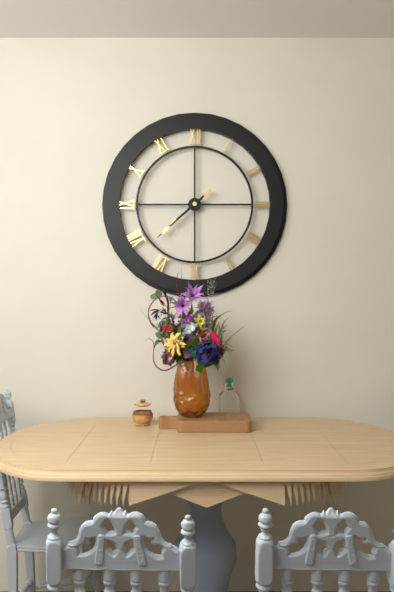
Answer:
7 h 38 min
